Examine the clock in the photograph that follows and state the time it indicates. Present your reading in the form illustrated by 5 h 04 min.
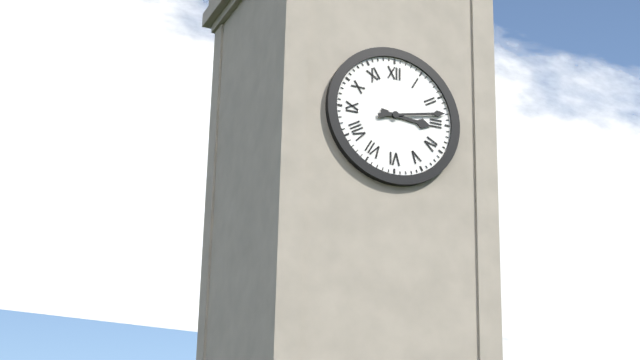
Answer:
3 h 13 min
